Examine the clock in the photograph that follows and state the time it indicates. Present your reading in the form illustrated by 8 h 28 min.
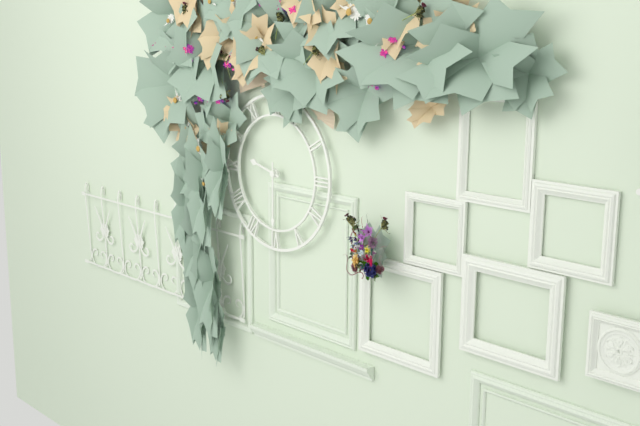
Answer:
9 h 30 min
